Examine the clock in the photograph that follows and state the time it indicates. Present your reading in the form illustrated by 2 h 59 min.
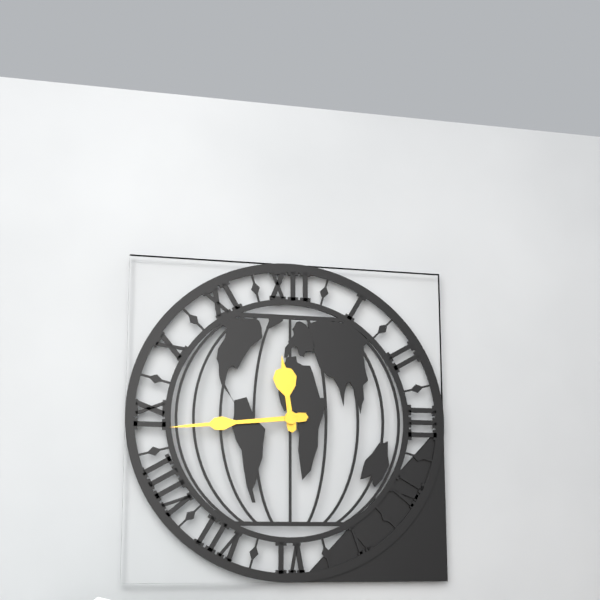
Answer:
11 h 44 min
